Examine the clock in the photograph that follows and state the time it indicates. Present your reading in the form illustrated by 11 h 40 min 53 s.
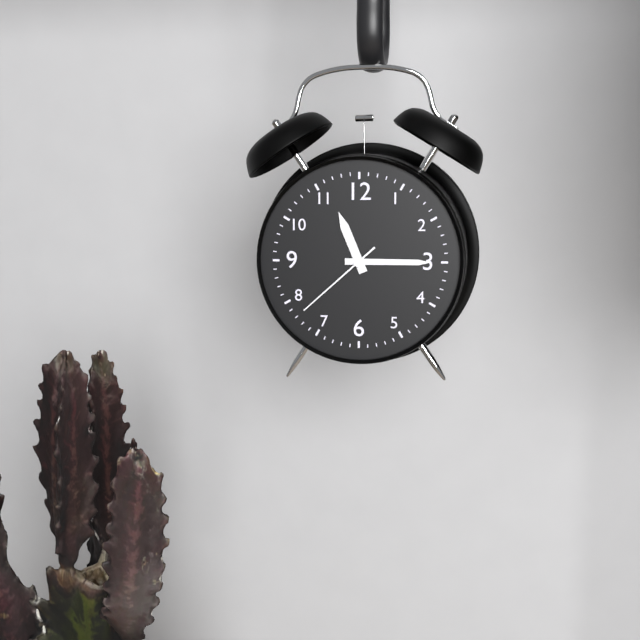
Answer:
11 h 15 min 38 s
